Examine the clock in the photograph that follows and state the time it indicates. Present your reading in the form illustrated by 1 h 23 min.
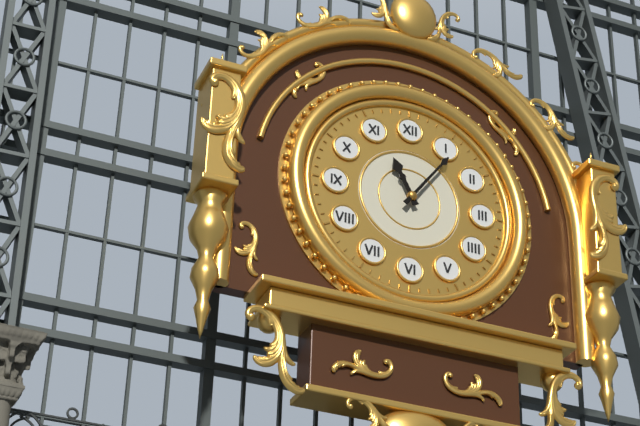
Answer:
11 h 06 min
